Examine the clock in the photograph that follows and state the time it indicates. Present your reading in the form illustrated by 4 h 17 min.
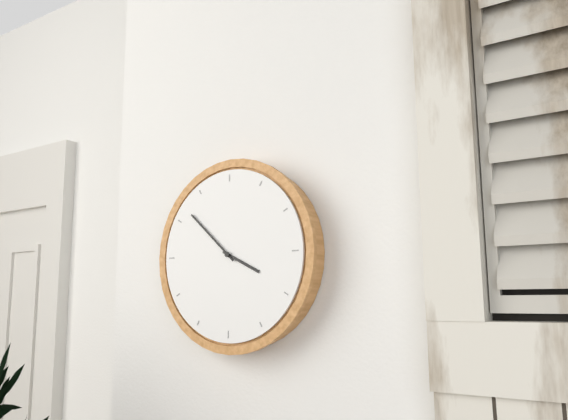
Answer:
3 h 52 min
